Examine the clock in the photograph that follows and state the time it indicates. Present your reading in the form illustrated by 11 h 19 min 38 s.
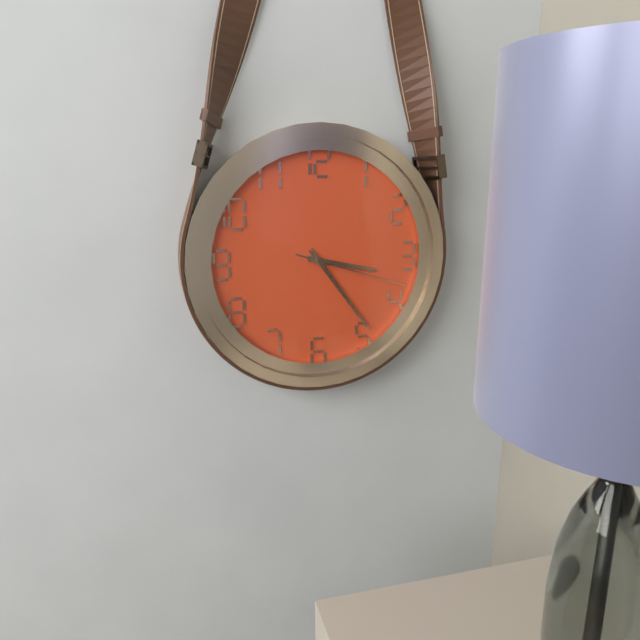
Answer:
3 h 24 min 18 s
